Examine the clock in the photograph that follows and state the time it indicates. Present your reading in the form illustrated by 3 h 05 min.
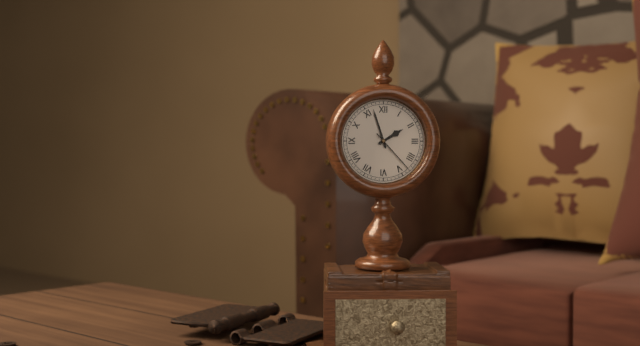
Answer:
1 h 57 min
